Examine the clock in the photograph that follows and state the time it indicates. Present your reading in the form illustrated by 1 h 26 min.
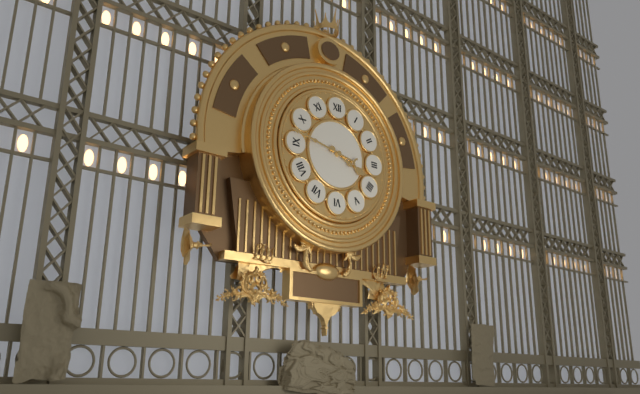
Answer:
3 h 47 min
